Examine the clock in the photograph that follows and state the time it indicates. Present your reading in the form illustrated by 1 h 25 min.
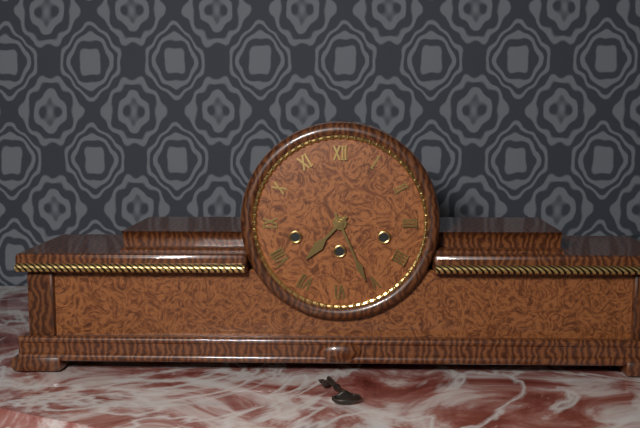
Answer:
7 h 26 min
